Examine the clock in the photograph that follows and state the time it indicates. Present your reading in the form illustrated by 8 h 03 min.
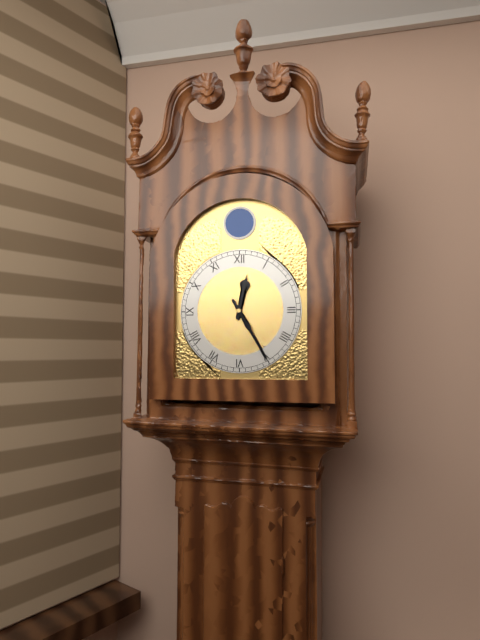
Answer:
12 h 25 min
